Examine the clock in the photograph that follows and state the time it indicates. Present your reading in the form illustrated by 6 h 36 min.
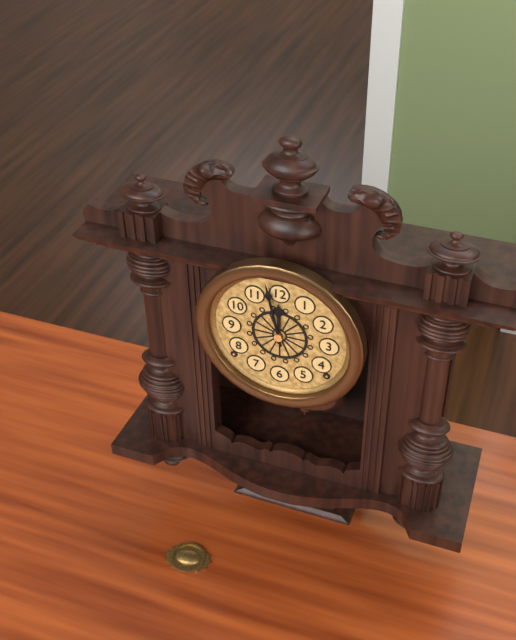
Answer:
11 h 58 min
